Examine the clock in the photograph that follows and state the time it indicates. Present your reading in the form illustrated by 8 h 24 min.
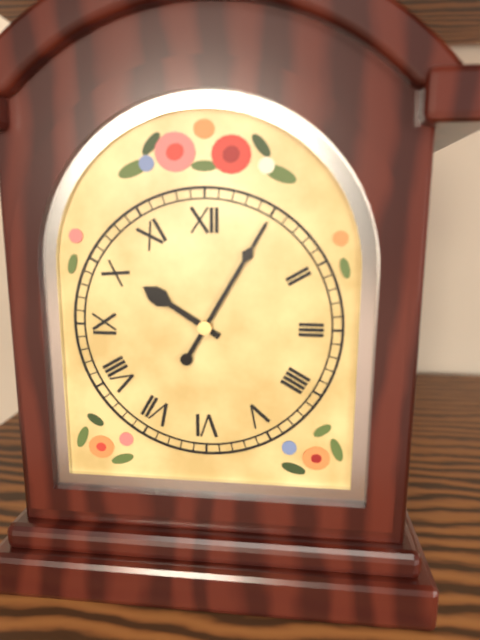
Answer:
10 h 05 min
